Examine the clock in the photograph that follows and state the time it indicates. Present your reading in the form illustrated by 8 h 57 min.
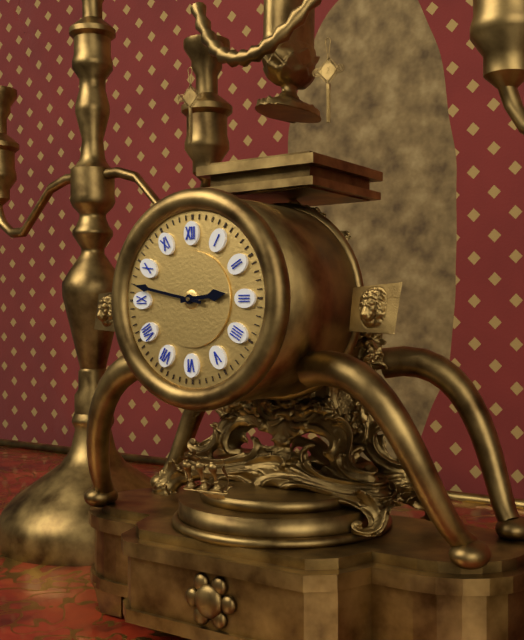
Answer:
2 h 47 min
